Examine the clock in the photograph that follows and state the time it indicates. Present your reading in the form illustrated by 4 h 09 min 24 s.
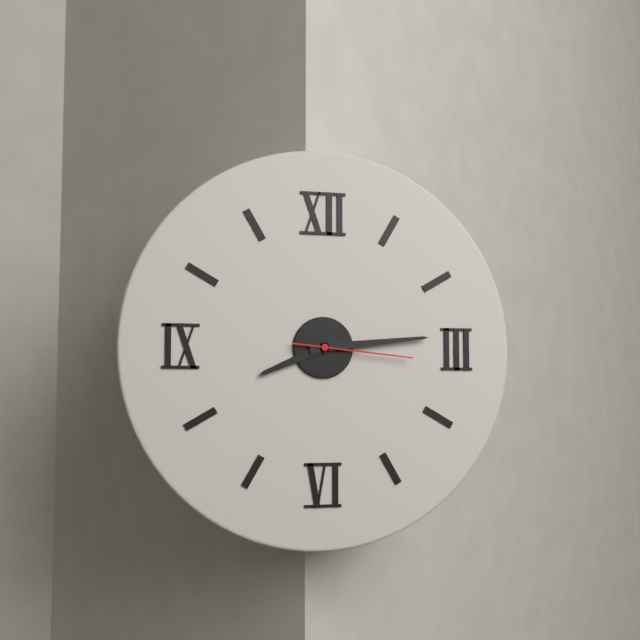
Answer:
8 h 14 min 16 s
